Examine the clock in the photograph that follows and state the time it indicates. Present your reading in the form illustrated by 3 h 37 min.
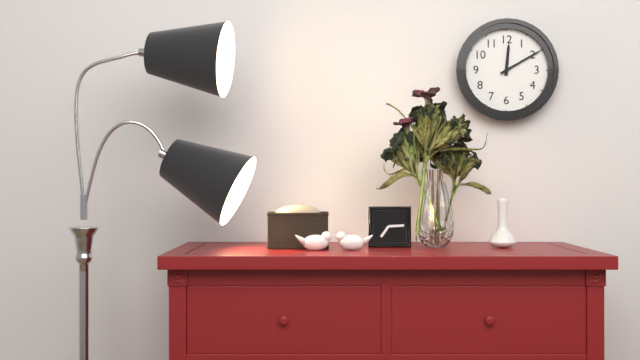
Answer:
12 h 10 min
